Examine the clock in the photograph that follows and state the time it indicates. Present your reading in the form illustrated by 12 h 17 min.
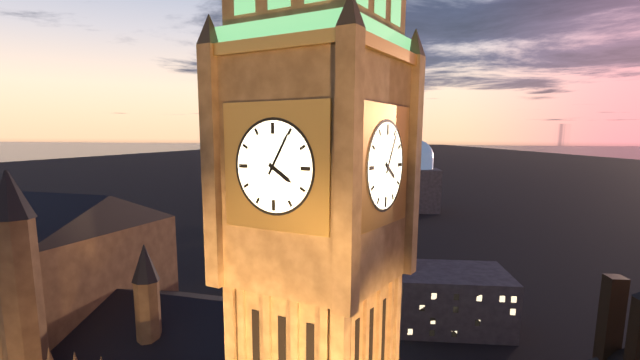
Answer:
4 h 05 min
